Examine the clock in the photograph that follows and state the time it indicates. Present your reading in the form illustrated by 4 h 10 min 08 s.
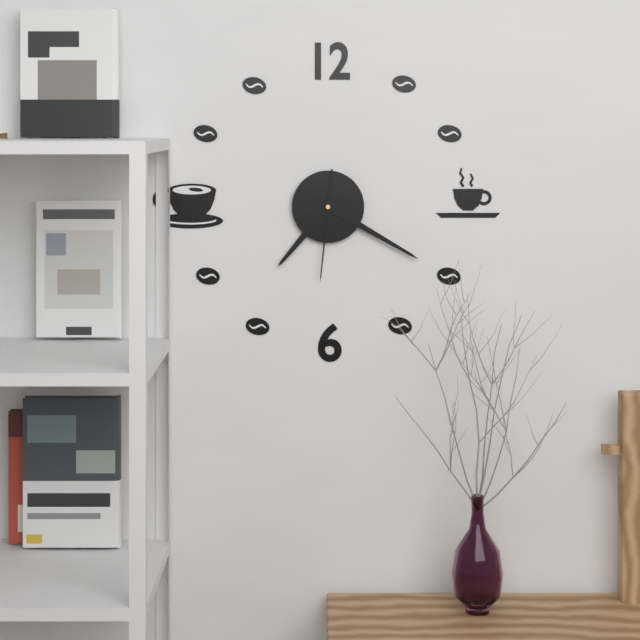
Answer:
7 h 20 min 31 s
